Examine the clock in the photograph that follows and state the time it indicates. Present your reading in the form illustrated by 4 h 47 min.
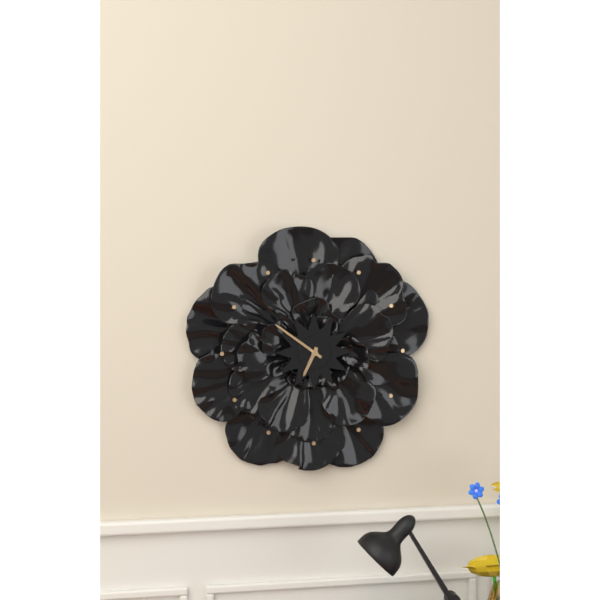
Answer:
6 h 51 min
